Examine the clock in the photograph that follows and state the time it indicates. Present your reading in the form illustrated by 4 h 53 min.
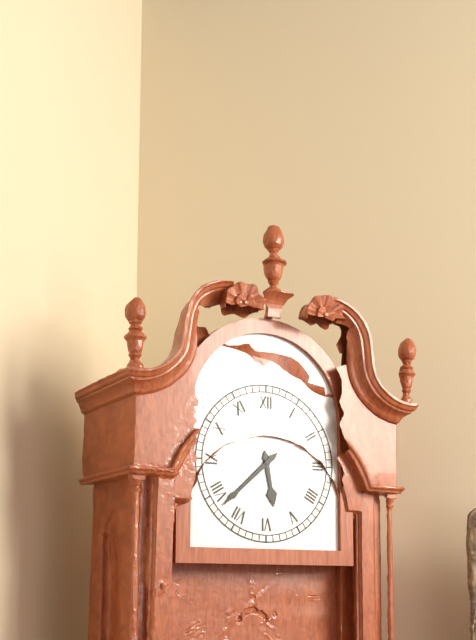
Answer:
5 h 38 min
